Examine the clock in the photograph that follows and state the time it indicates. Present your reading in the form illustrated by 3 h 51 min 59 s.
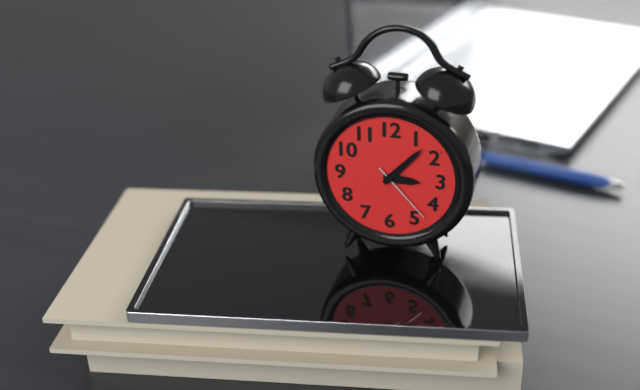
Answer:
3 h 07 min 23 s
